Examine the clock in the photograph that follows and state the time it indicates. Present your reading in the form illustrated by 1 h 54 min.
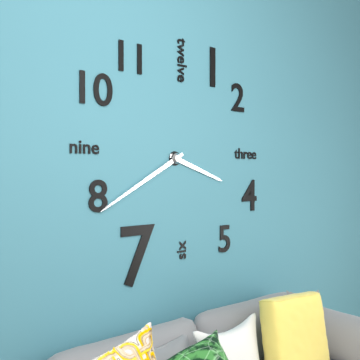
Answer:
3 h 40 min
